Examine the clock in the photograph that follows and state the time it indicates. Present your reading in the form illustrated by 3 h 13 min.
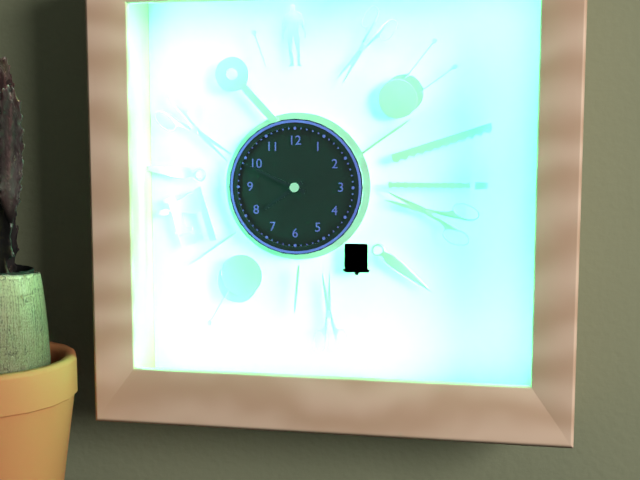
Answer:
7 h 49 min
